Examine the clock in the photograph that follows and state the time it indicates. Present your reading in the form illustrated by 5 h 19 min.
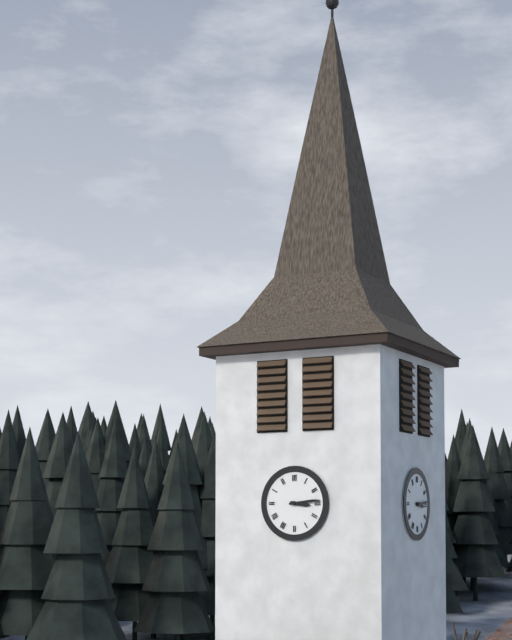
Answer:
3 h 14 min
